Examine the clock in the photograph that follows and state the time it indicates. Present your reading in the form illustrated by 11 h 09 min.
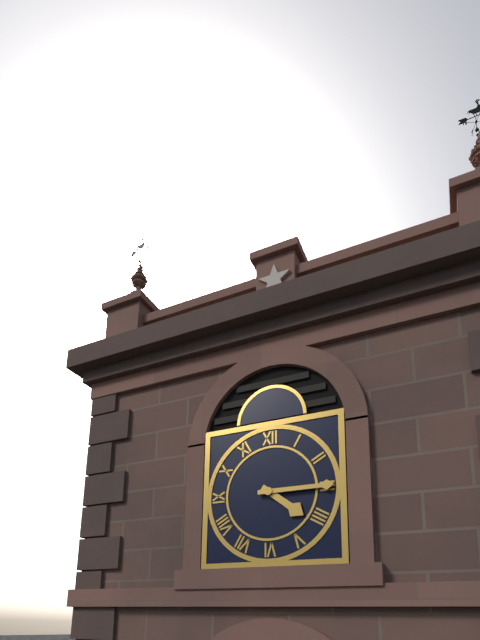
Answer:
4 h 15 min
